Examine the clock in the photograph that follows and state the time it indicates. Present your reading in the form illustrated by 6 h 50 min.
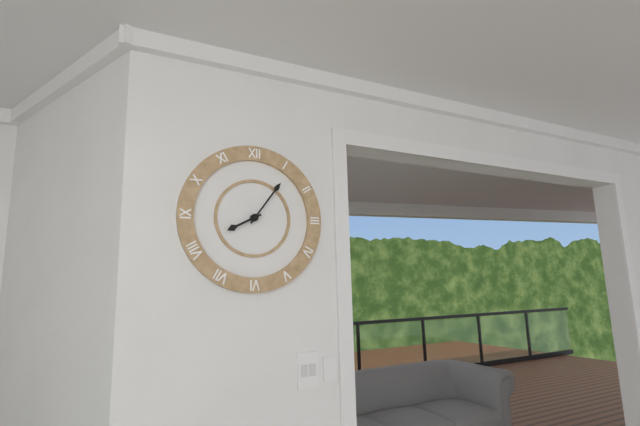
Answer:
8 h 06 min
